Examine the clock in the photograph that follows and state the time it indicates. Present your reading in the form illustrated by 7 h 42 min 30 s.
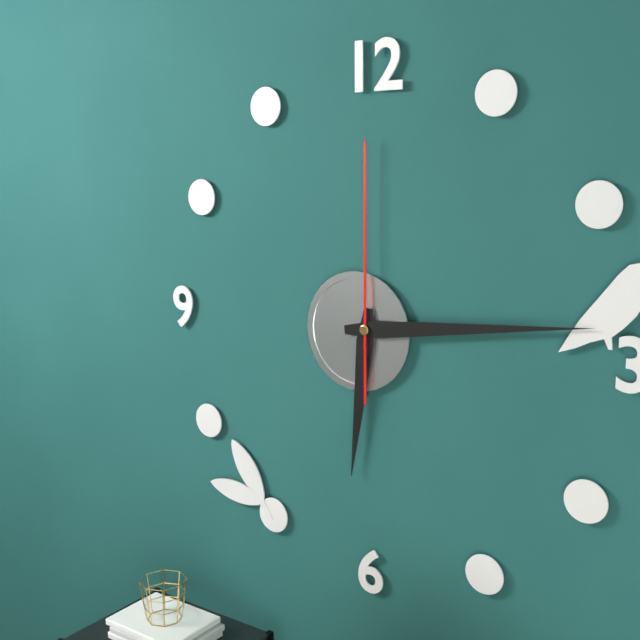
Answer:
6 h 14 min 00 s
